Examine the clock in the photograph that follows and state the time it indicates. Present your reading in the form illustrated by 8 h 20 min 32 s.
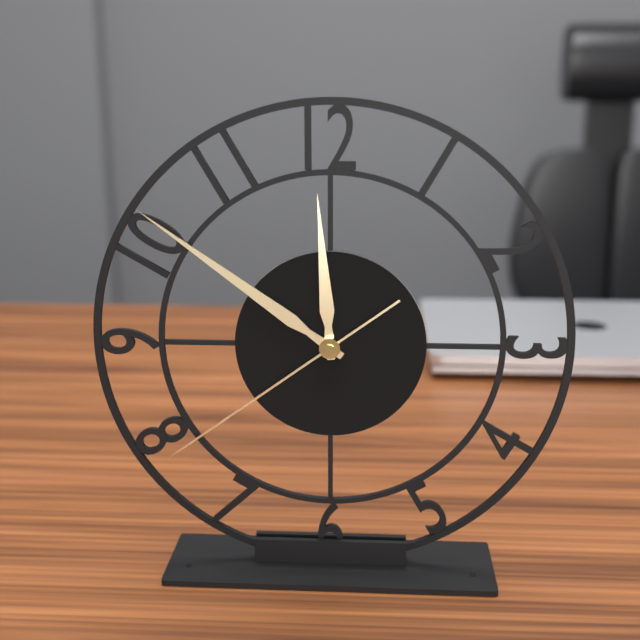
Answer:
11 h 51 min 39 s
